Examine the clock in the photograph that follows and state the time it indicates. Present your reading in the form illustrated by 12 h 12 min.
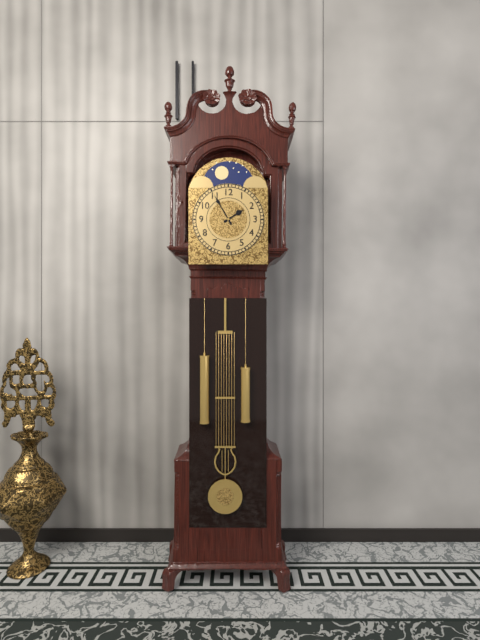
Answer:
1 h 55 min
